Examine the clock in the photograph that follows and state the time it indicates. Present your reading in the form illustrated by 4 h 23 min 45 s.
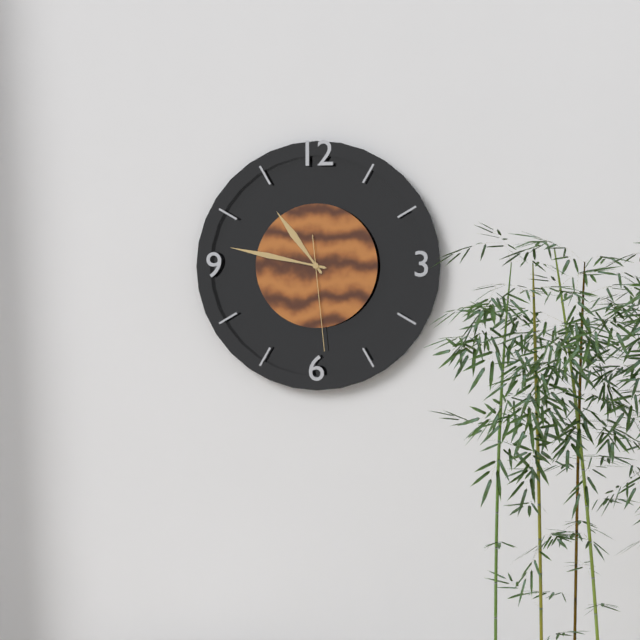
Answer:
10 h 47 min 29 s
